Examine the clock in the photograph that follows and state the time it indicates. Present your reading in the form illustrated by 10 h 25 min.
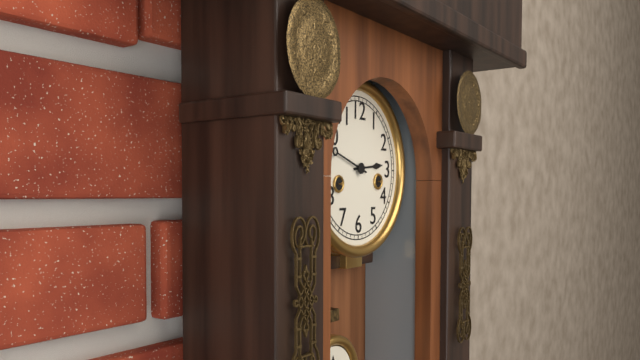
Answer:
2 h 48 min
